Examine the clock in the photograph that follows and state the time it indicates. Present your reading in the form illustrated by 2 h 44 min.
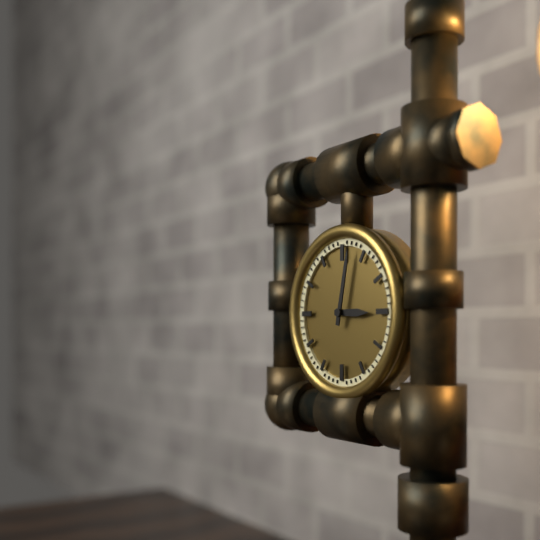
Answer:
3 h 02 min
